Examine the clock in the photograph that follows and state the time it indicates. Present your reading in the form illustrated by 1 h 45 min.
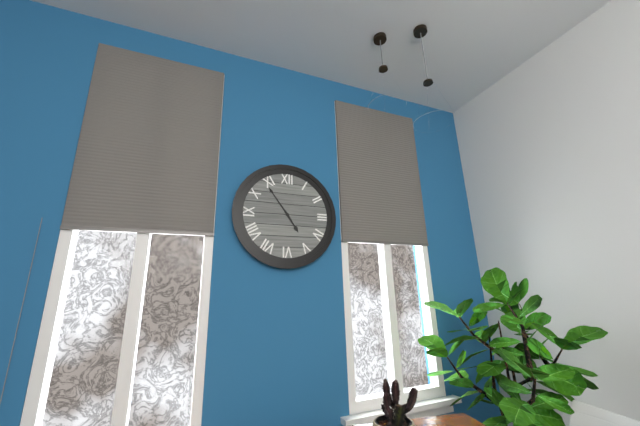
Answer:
4 h 54 min
